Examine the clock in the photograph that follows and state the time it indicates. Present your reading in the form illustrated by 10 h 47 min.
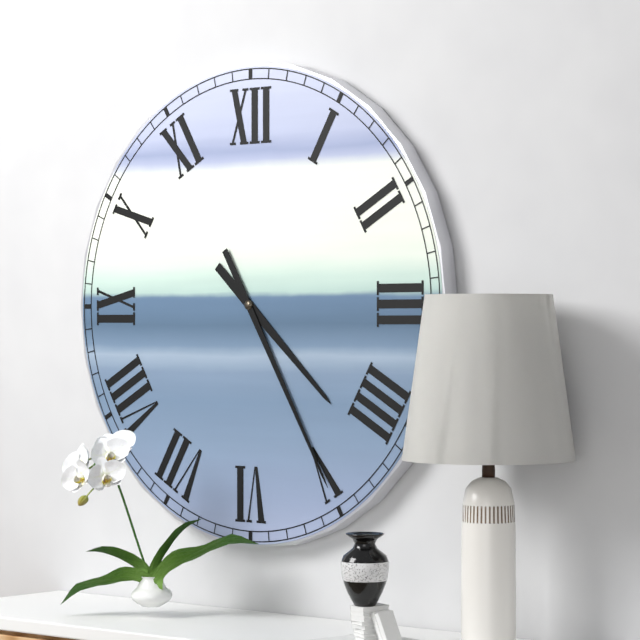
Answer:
4 h 25 min
